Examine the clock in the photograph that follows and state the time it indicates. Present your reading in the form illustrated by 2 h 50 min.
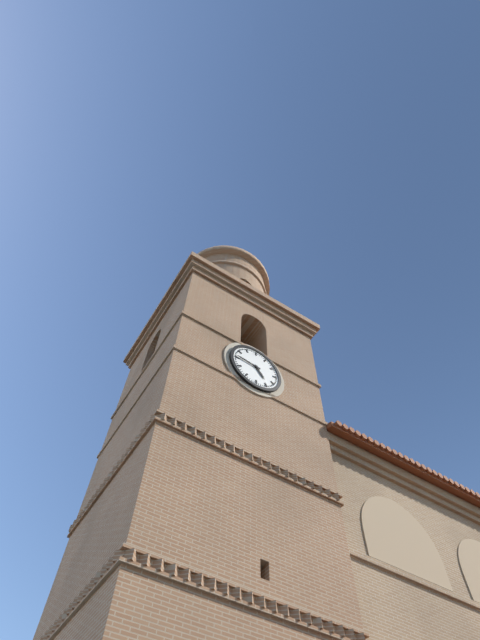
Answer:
4 h 46 min
